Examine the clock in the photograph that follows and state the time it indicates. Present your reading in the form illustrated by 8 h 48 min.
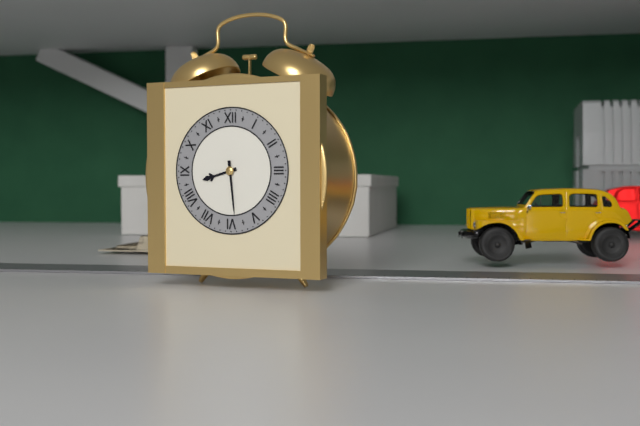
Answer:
8 h 29 min
